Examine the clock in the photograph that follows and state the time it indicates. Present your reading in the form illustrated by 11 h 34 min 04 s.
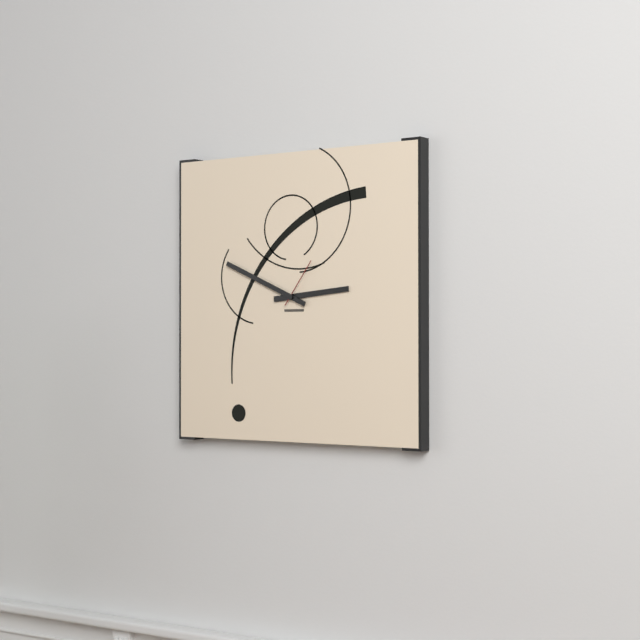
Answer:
2 h 49 min 06 s
